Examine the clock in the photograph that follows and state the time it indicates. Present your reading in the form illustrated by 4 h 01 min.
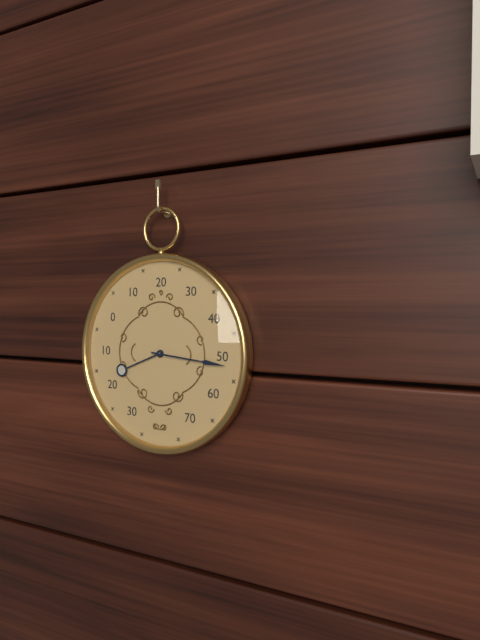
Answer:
8 h 16 min
